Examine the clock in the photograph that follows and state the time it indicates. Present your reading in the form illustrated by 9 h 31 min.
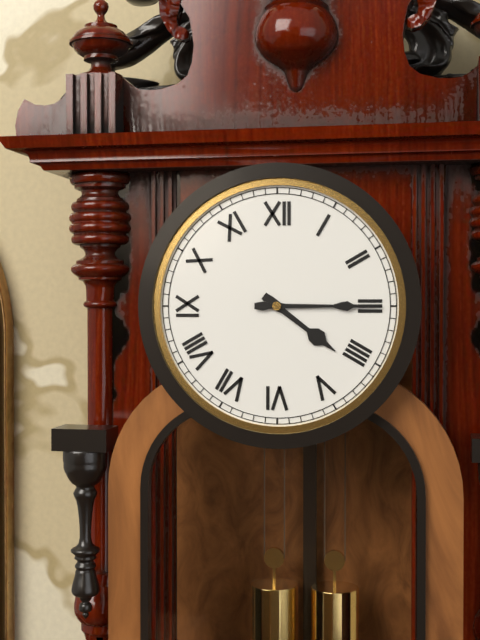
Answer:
4 h 15 min
